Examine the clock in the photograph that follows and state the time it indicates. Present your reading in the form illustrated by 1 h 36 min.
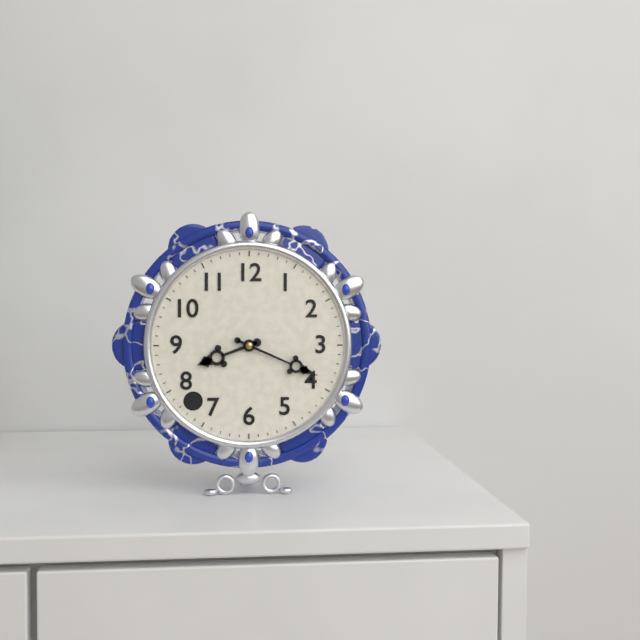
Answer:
8 h 19 min
